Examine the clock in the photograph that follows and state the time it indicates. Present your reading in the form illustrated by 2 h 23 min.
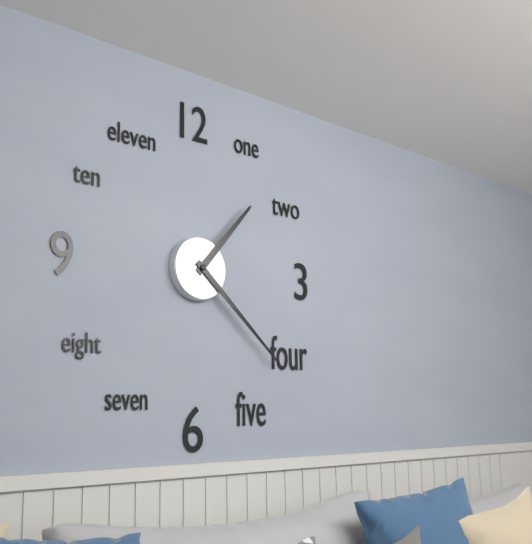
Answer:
1 h 22 min
